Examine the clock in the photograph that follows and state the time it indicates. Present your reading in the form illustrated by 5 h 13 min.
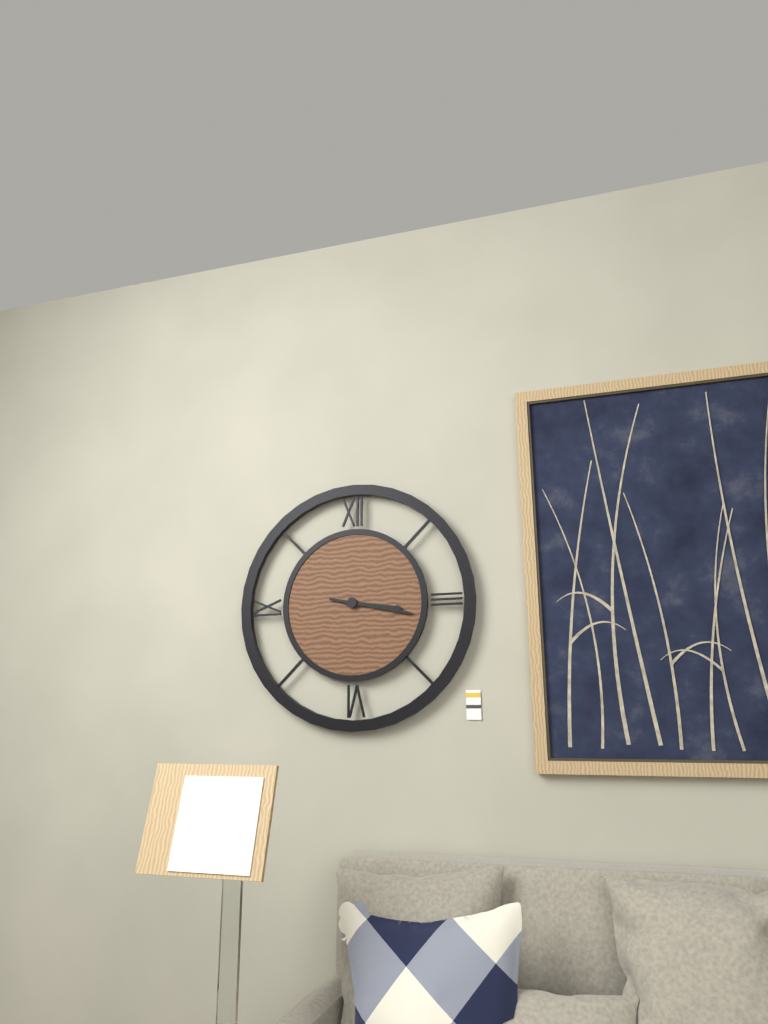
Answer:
3 h 17 min
